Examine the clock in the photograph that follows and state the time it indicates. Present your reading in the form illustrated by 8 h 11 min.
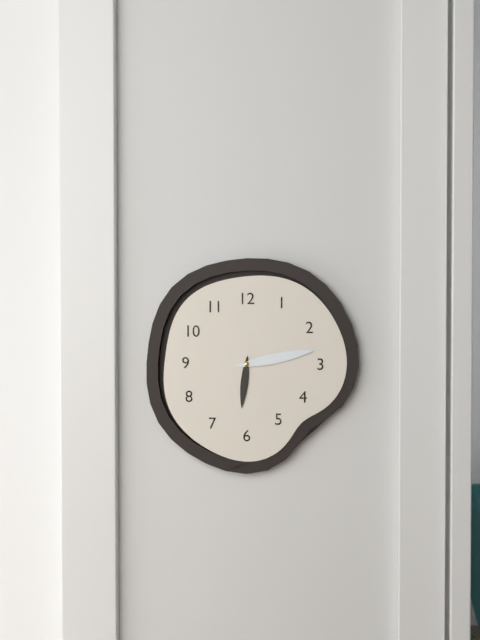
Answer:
6 h 13 min
